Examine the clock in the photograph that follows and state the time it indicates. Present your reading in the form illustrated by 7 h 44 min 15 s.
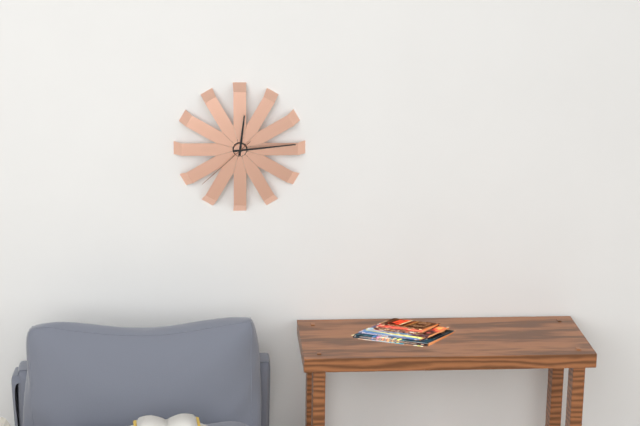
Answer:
12 h 14 min 38 s
